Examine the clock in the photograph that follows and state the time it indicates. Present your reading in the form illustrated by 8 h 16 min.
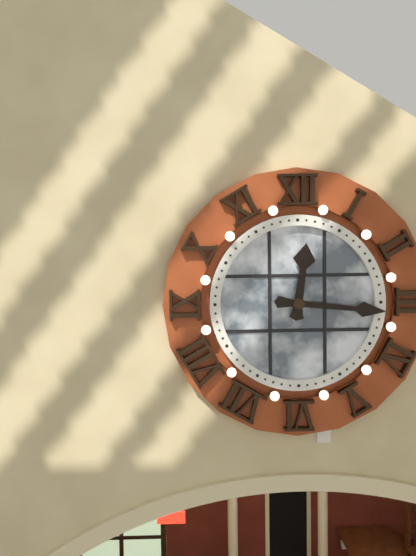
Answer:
12 h 16 min
